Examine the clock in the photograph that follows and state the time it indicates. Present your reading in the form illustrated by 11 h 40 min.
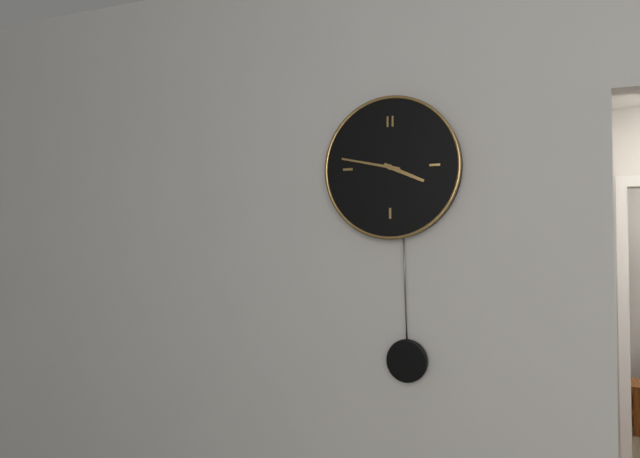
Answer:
3 h 47 min
